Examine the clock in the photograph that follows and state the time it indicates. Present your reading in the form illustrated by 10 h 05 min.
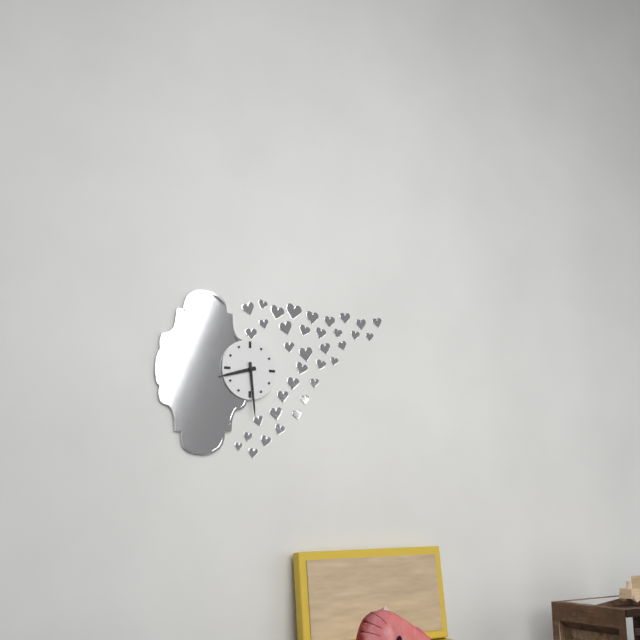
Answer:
8 h 29 min
